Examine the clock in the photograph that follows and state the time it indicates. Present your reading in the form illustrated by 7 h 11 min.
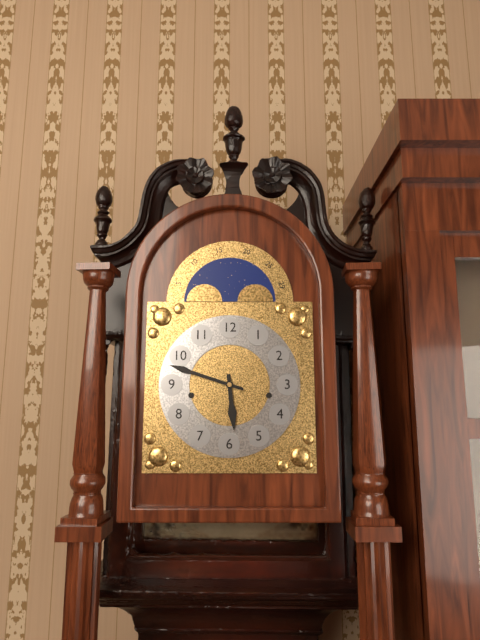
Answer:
5 h 48 min
